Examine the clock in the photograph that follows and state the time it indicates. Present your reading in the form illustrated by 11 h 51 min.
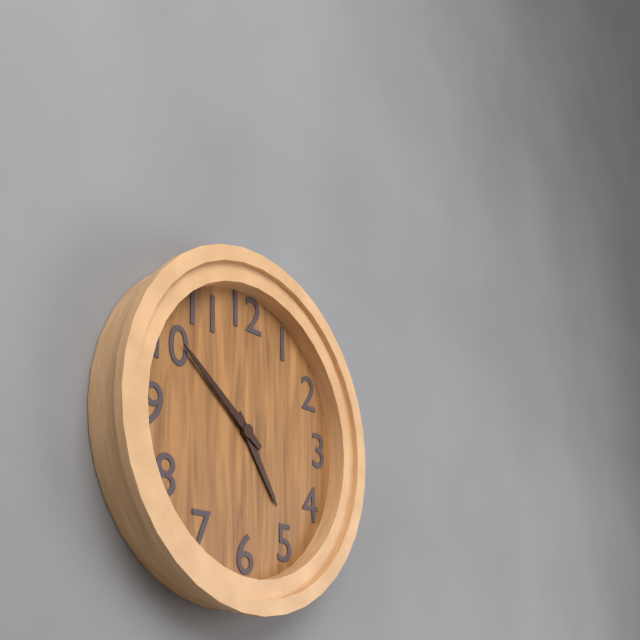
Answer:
4 h 51 min
